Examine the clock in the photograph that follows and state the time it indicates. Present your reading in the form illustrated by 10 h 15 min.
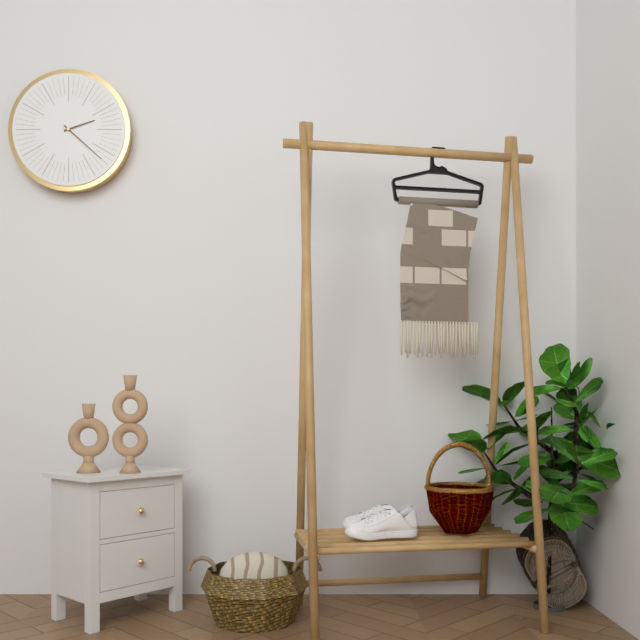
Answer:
2 h 22 min
